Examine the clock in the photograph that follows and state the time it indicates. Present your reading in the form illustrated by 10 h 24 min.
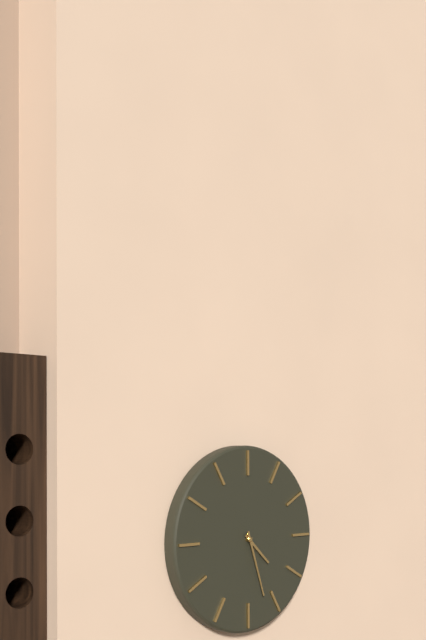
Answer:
4 h 27 min
